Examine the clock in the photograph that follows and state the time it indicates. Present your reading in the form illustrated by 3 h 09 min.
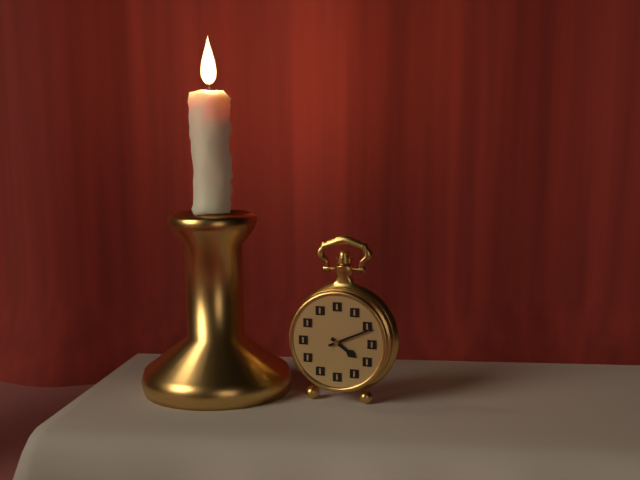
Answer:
4 h 11 min
